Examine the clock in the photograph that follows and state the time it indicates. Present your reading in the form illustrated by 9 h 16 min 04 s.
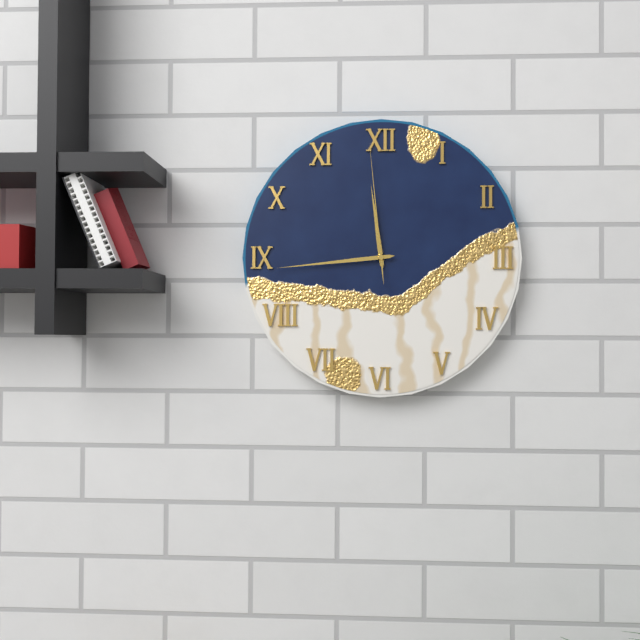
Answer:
11 h 44 min 59 s
